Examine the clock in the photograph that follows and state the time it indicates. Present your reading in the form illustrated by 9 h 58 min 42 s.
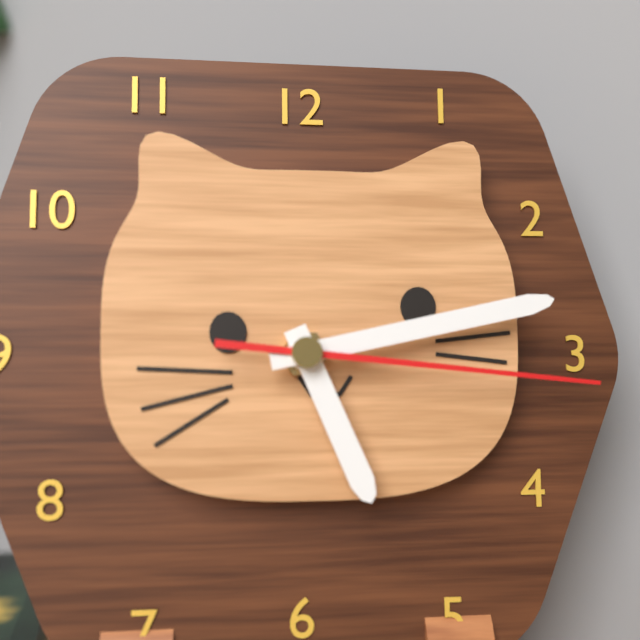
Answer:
5 h 13 min 16 s
